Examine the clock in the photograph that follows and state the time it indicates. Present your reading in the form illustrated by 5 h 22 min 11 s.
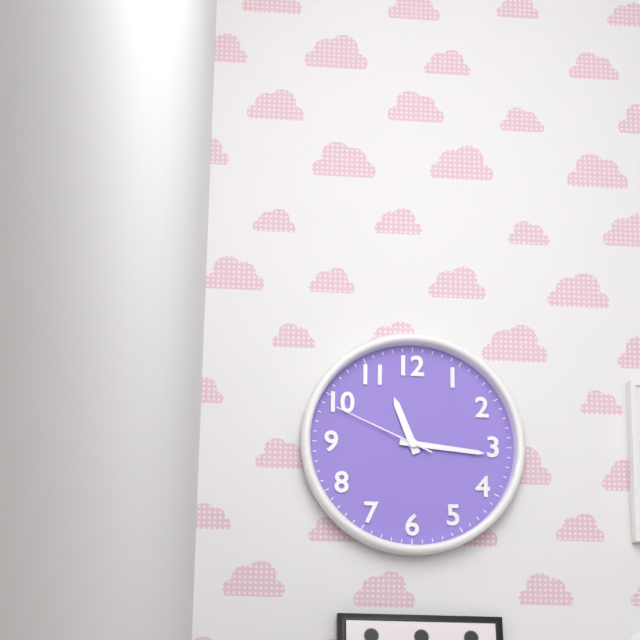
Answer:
11 h 16 min 49 s
